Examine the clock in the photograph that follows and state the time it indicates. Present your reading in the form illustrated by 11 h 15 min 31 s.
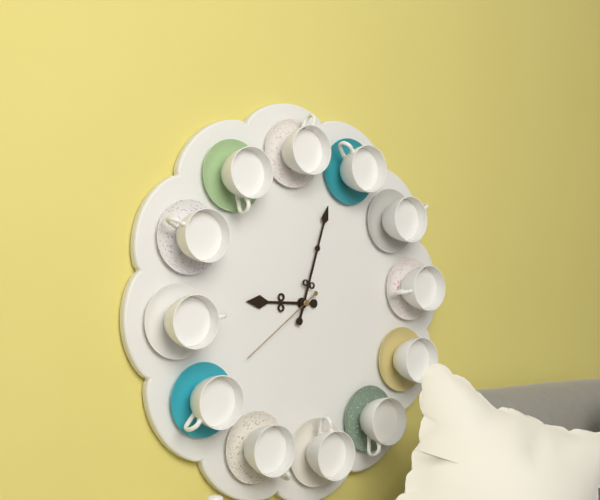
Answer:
9 h 03 min 39 s
